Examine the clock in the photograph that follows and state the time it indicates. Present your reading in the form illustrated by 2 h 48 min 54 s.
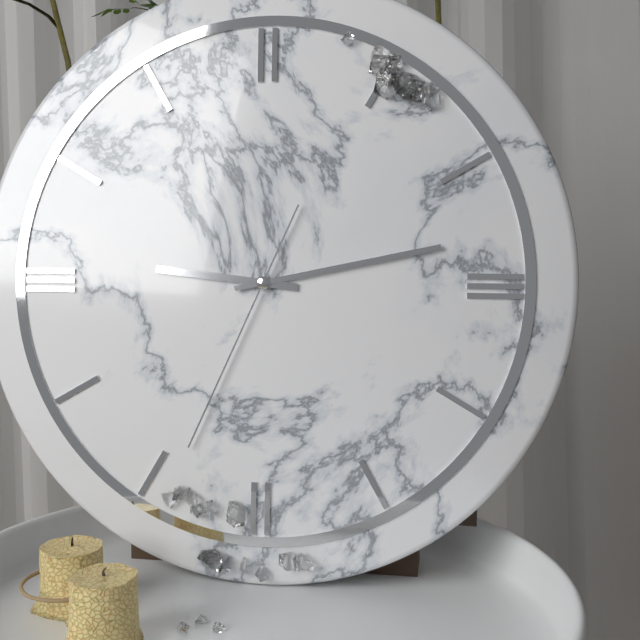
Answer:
9 h 13 min 34 s
